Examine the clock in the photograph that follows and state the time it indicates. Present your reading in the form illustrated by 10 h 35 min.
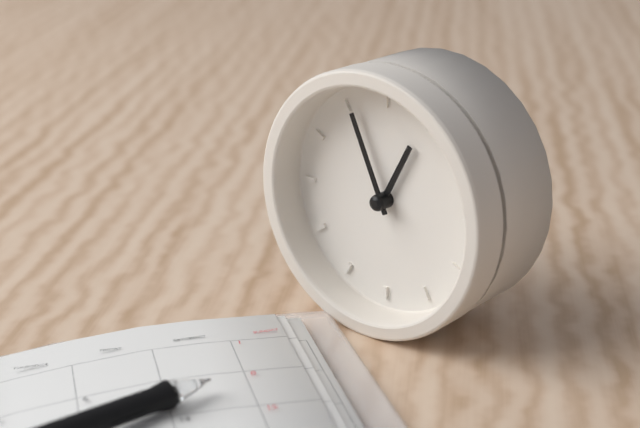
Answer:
12 h 56 min
